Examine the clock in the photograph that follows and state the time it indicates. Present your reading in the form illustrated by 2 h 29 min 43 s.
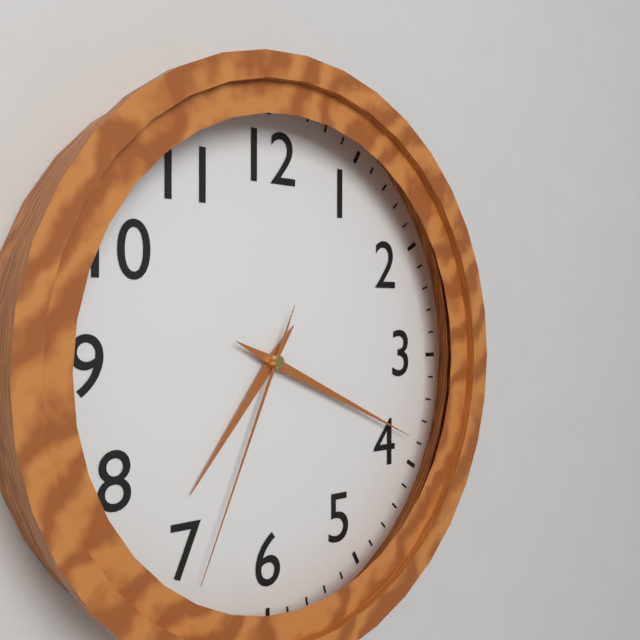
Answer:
7 h 19 min 34 s
